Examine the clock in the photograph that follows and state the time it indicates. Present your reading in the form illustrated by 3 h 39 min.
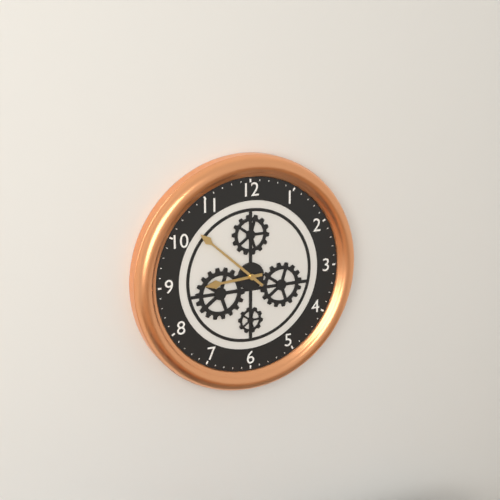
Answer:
8 h 52 min
